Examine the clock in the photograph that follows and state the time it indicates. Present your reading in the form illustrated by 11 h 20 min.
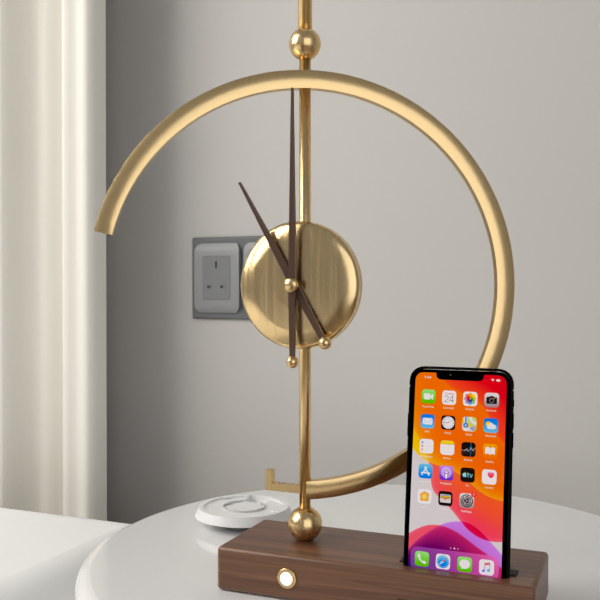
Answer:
11 h 00 min
